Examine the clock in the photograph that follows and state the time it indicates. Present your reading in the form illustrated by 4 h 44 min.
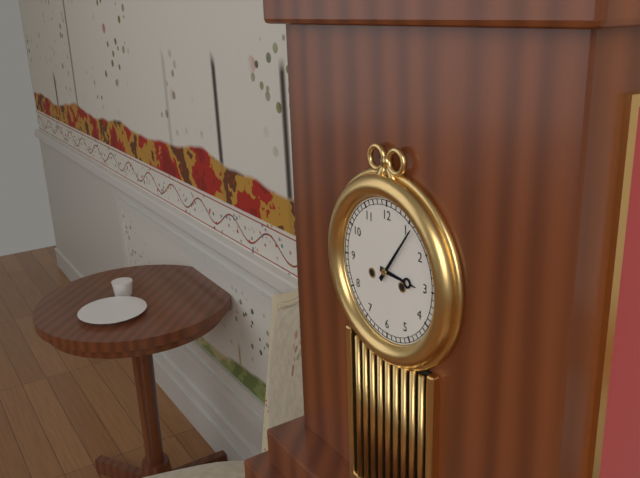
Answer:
3 h 06 min
